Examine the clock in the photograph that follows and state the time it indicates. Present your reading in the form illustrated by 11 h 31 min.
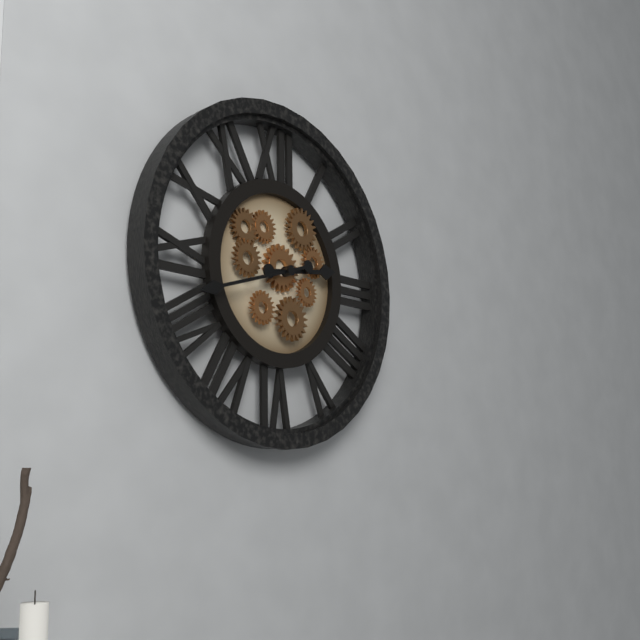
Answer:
2 h 42 min
